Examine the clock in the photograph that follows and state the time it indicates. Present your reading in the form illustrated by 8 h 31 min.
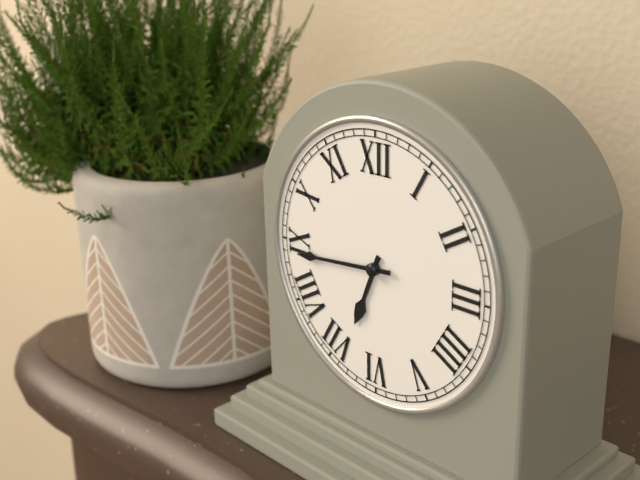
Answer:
6 h 44 min
